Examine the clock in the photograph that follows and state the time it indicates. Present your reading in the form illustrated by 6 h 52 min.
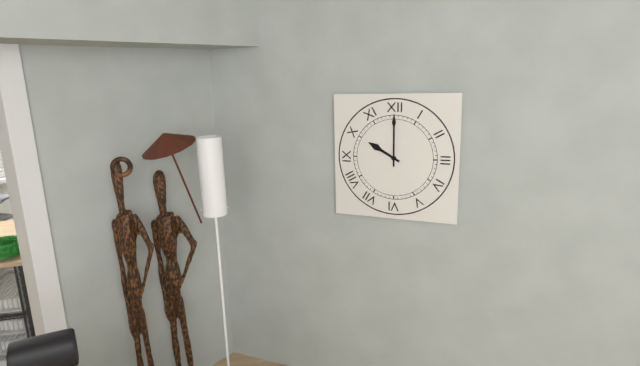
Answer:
10 h 00 min
